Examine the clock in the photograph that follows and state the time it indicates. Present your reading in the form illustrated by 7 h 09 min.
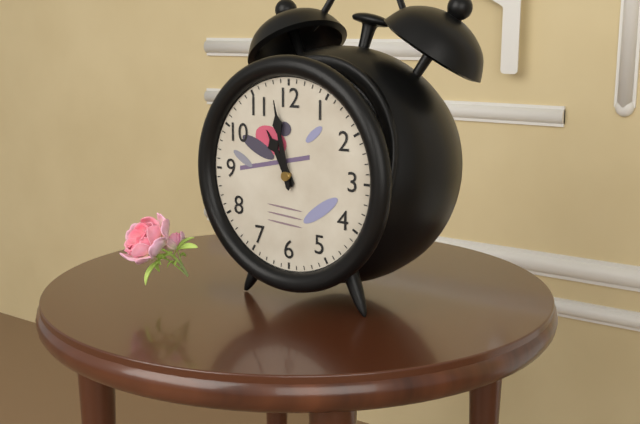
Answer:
10 h 58 min
